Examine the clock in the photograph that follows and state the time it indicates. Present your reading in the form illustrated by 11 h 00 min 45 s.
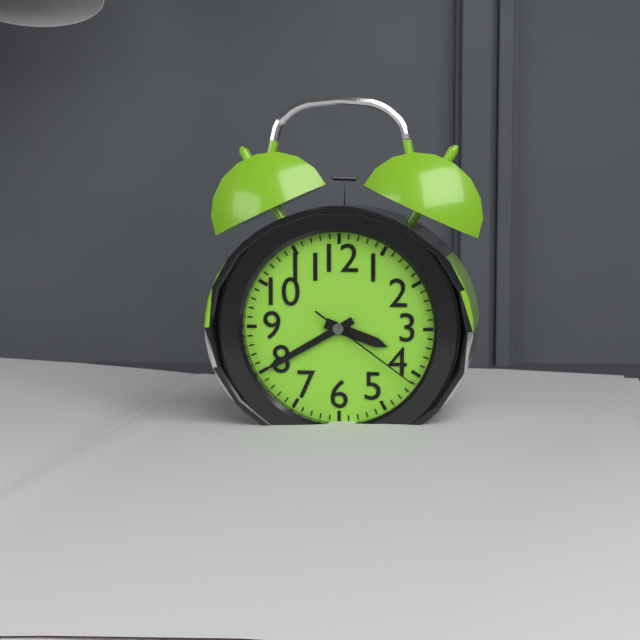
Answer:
3 h 40 min 21 s
